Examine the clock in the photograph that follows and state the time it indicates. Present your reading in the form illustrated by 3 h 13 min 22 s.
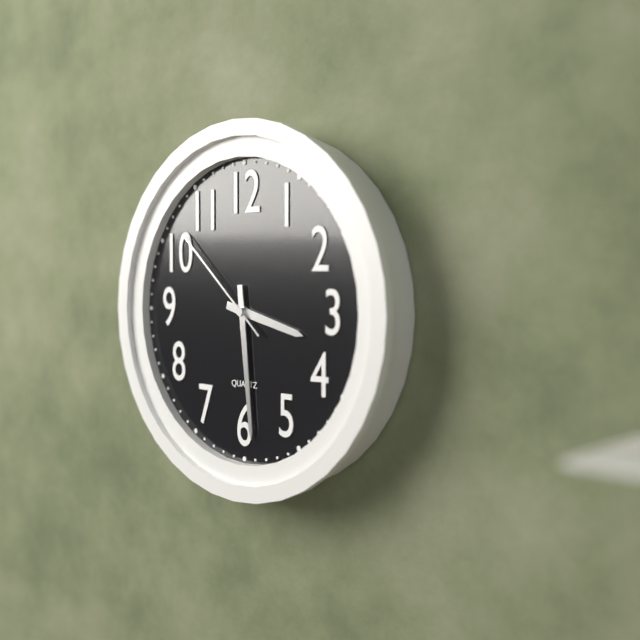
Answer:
3 h 29 min 52 s
